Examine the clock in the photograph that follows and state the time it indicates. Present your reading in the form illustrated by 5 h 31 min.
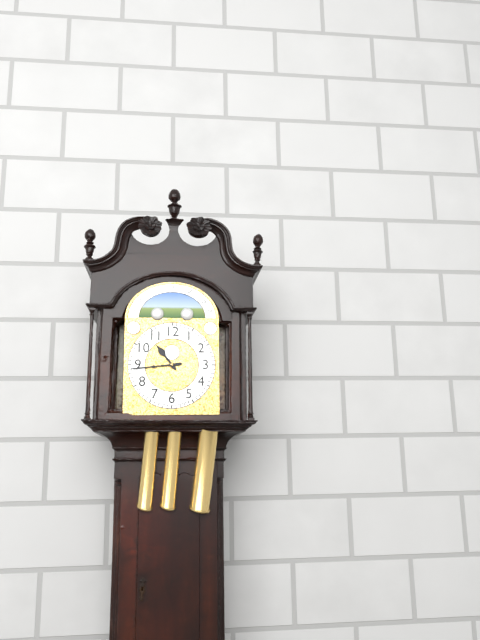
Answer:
10 h 44 min
